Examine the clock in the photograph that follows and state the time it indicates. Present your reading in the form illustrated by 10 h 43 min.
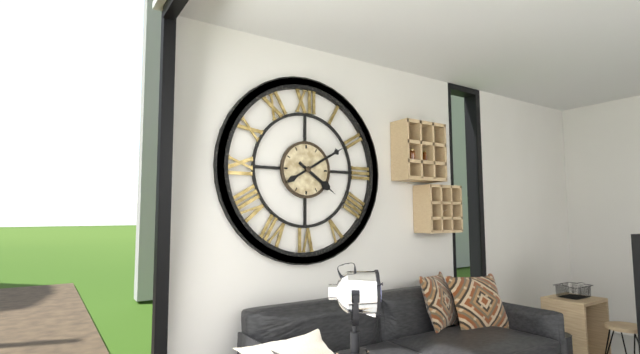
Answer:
4 h 10 min
